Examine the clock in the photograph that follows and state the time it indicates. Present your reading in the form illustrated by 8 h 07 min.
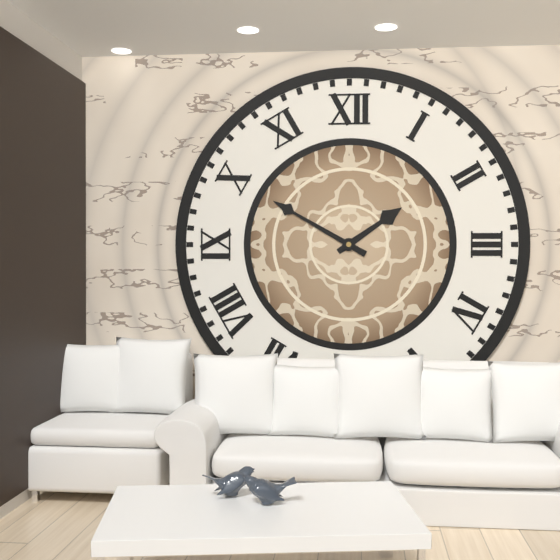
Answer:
1 h 50 min
